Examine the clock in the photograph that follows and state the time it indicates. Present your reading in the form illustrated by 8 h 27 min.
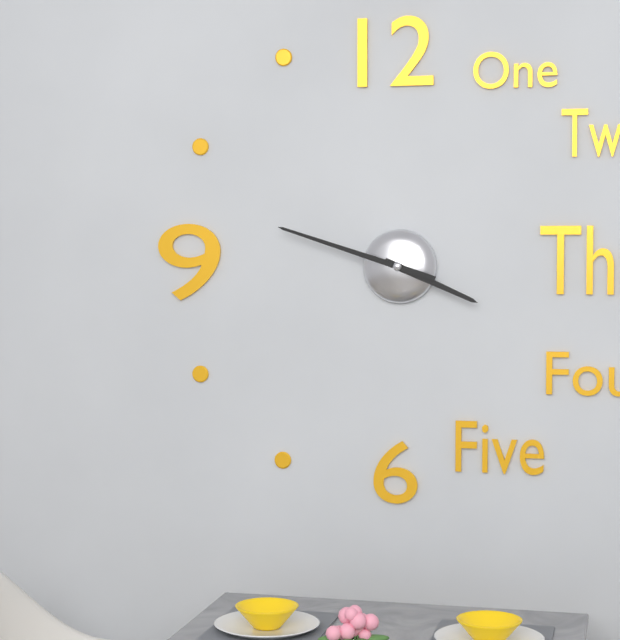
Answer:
3 h 48 min
